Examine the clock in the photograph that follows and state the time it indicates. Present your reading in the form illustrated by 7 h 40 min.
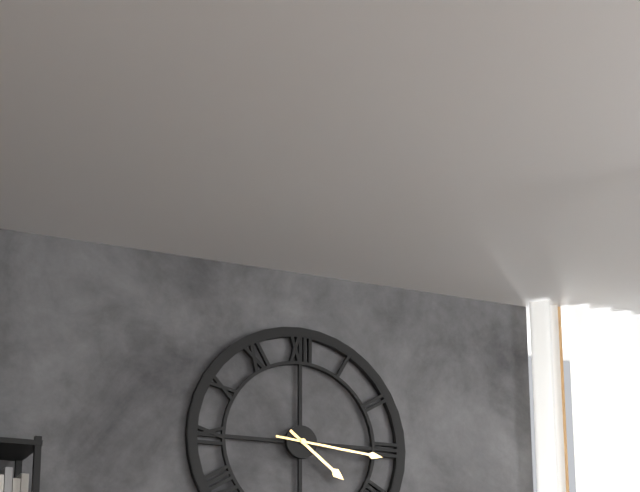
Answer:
4 h 16 min
